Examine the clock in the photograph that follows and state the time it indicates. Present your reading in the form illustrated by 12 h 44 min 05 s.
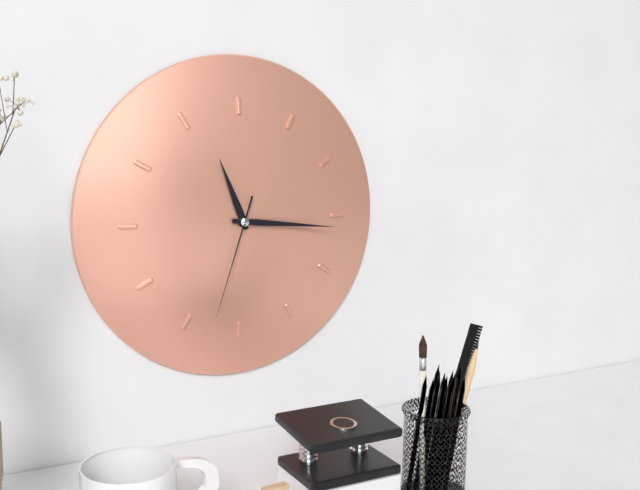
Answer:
11 h 16 min 33 s
